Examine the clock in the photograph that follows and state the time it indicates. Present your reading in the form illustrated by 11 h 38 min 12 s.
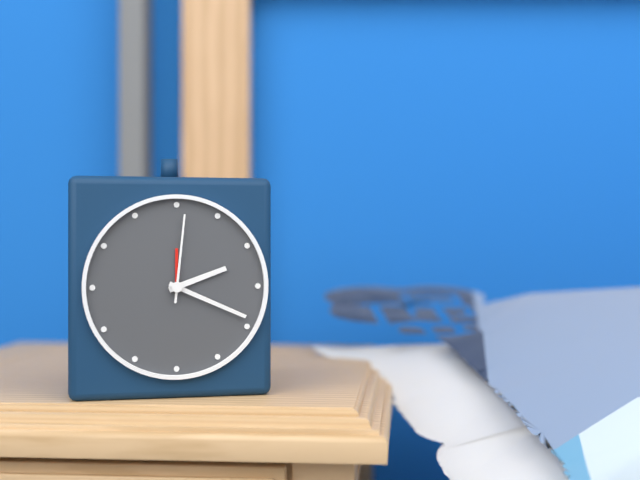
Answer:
2 h 19 min 01 s
